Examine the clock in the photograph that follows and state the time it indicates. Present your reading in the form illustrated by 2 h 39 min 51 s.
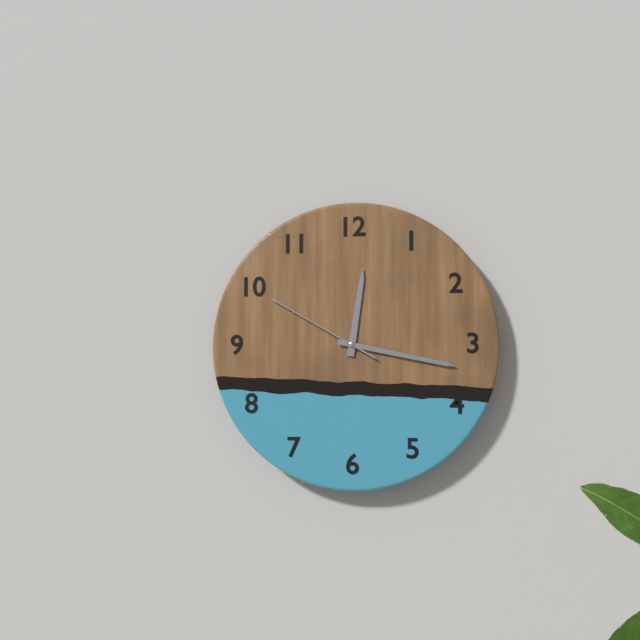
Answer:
12 h 17 min 50 s
